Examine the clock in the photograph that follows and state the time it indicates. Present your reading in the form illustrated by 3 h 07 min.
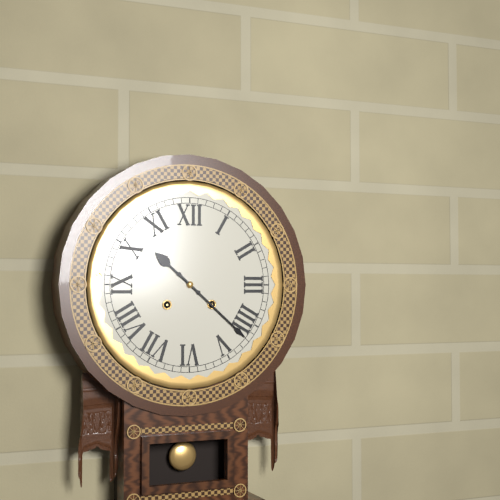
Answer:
10 h 22 min
